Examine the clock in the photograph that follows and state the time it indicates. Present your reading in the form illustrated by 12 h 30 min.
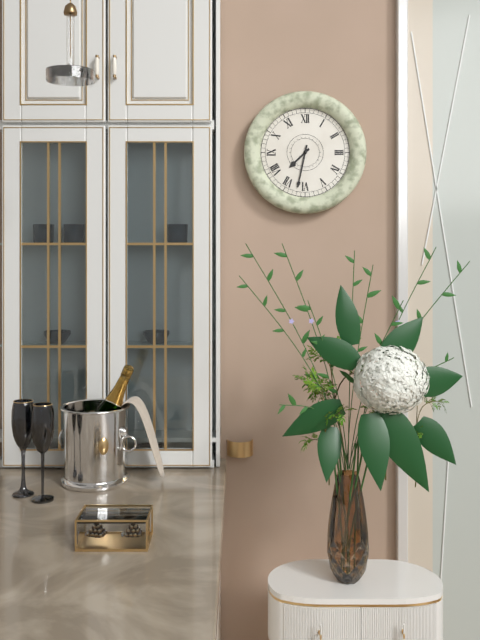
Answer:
7 h 32 min
